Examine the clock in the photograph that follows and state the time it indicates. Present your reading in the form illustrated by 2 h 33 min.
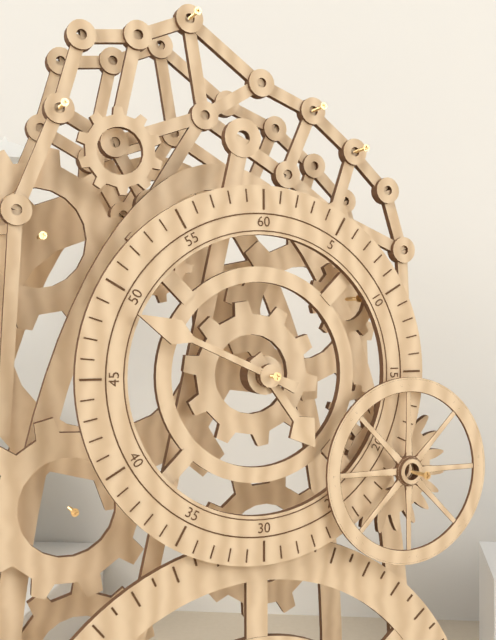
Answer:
4 h 49 min
